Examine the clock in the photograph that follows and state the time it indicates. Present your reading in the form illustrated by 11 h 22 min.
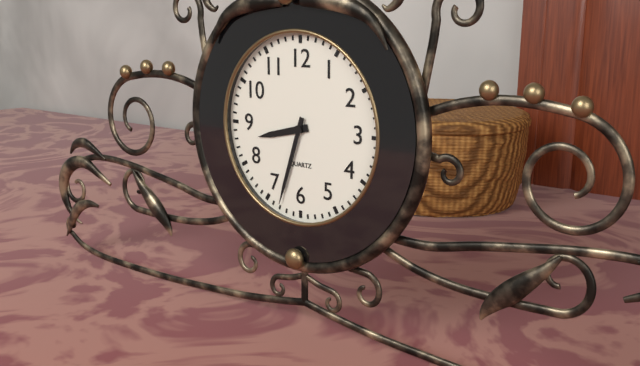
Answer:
8 h 33 min
